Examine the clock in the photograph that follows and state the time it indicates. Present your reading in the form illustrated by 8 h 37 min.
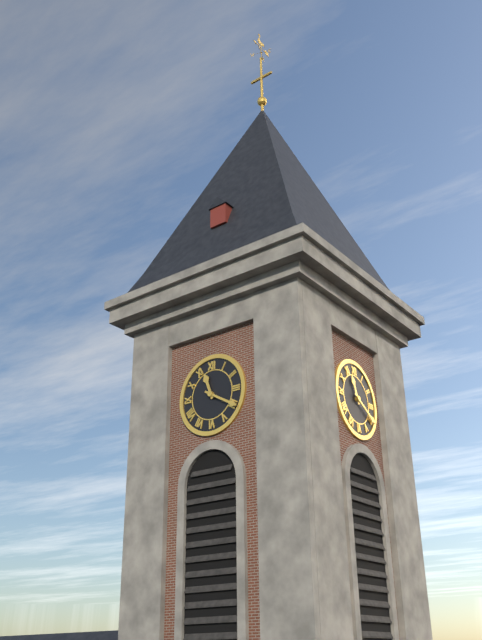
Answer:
11 h 20 min
